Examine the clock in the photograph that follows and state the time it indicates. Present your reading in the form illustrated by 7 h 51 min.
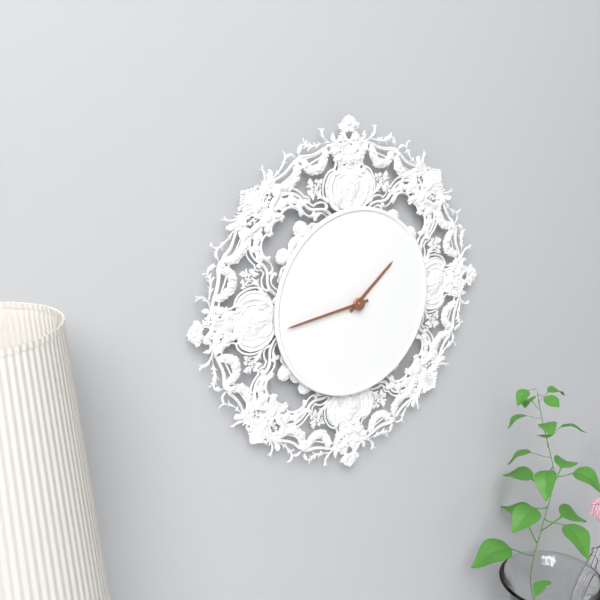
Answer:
1 h 44 min
